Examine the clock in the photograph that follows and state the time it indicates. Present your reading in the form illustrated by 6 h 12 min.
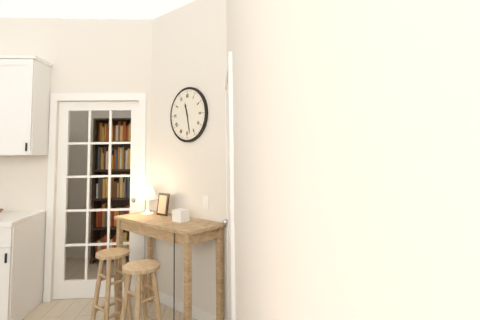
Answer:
11 h 28 min
